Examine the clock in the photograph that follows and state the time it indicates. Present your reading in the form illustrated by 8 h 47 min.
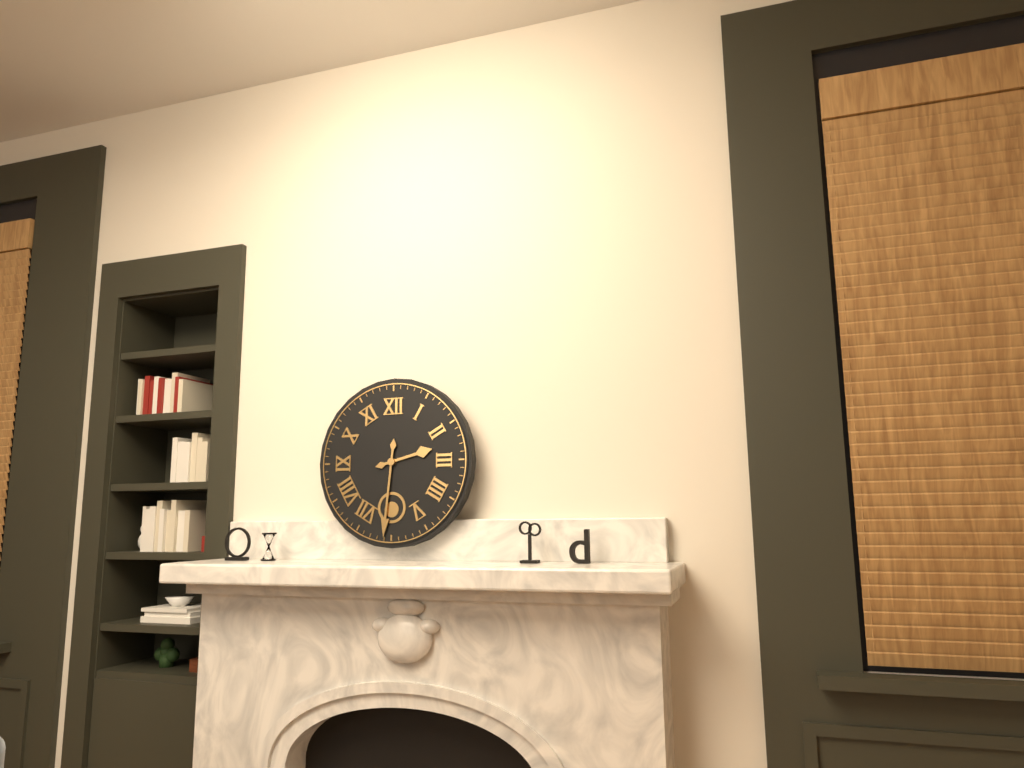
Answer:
2 h 31 min
